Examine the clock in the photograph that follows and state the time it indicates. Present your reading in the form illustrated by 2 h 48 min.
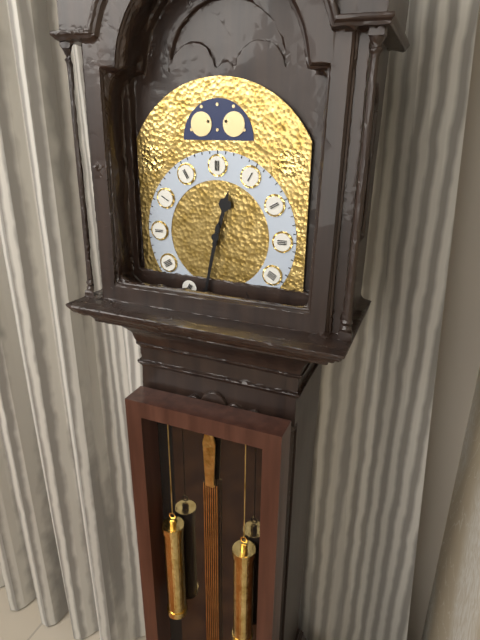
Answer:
12 h 32 min
